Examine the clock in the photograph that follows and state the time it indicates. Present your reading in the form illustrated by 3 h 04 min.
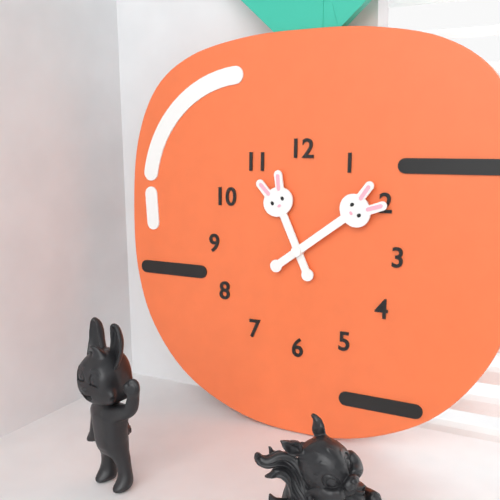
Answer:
11 h 09 min
